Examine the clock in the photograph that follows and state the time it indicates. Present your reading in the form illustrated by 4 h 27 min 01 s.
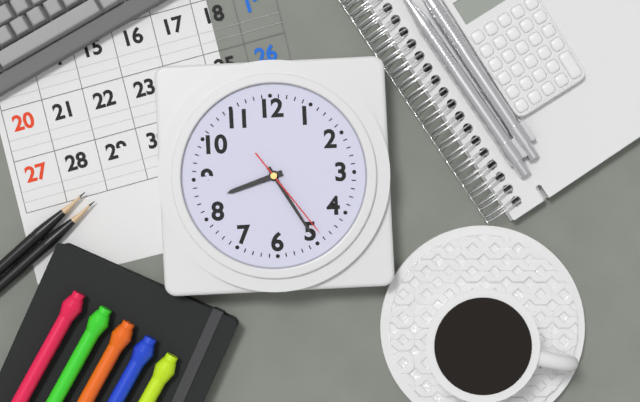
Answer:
8 h 25 min 24 s
